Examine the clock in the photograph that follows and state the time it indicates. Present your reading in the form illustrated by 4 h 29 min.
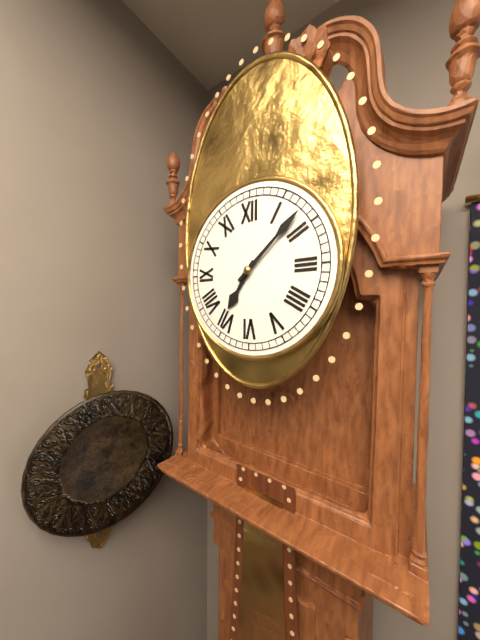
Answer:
7 h 08 min
